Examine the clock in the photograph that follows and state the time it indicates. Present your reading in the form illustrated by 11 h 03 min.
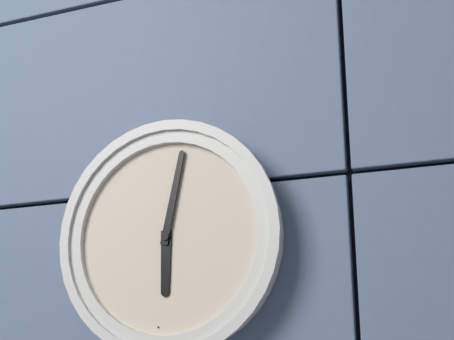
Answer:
6 h 02 min
